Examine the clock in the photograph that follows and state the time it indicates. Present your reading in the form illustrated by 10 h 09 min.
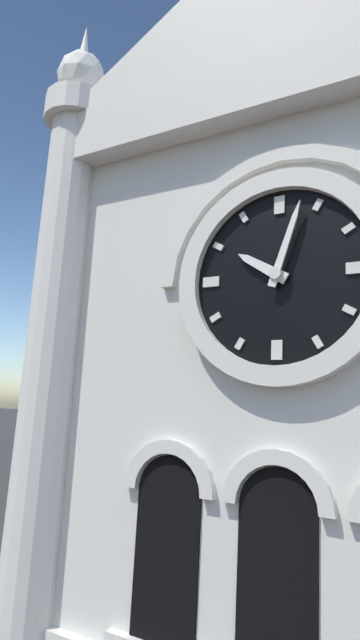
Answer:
10 h 03 min
